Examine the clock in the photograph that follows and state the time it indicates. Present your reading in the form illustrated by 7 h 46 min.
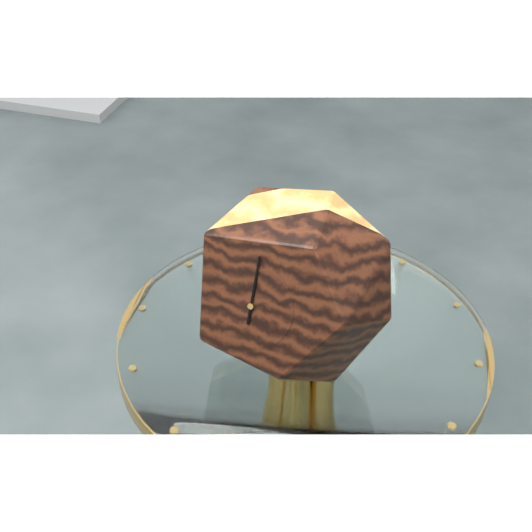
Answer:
12 h 00 min
